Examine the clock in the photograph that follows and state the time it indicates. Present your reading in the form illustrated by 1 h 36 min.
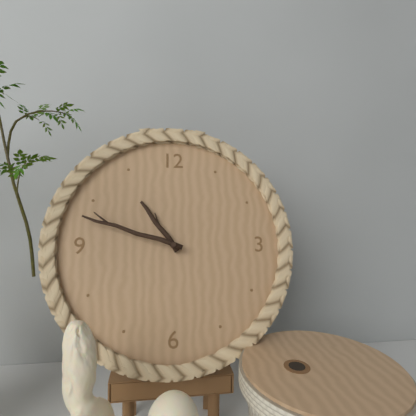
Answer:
10 h 48 min
